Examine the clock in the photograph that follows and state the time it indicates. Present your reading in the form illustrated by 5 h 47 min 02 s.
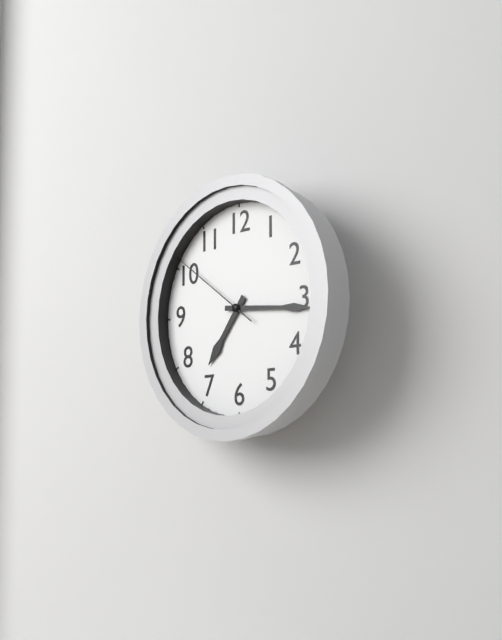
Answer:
7 h 16 min 51 s
